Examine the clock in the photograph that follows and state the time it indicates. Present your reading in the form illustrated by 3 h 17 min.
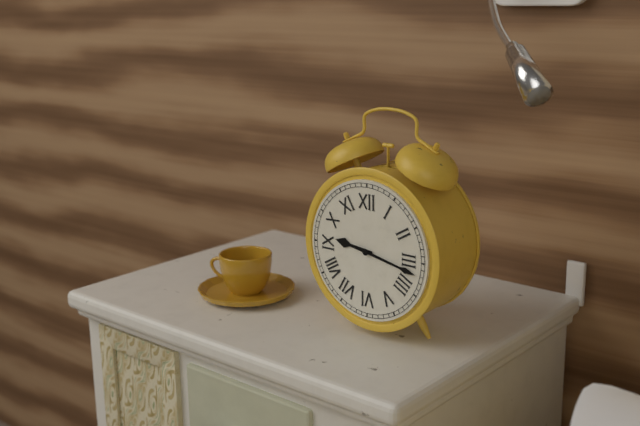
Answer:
9 h 17 min
